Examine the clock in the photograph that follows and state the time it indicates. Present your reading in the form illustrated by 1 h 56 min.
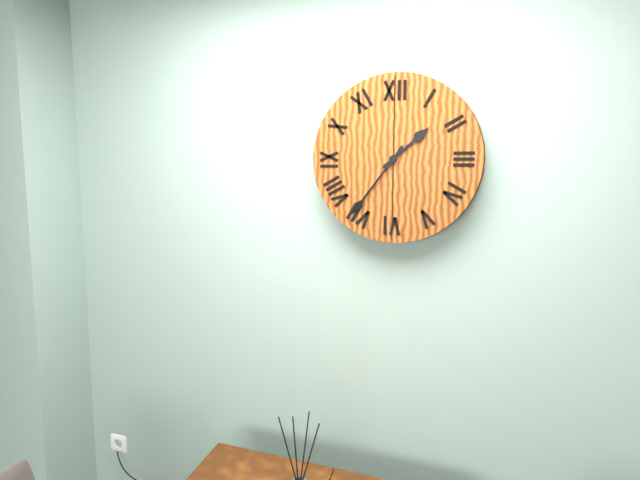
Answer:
1 h 36 min
